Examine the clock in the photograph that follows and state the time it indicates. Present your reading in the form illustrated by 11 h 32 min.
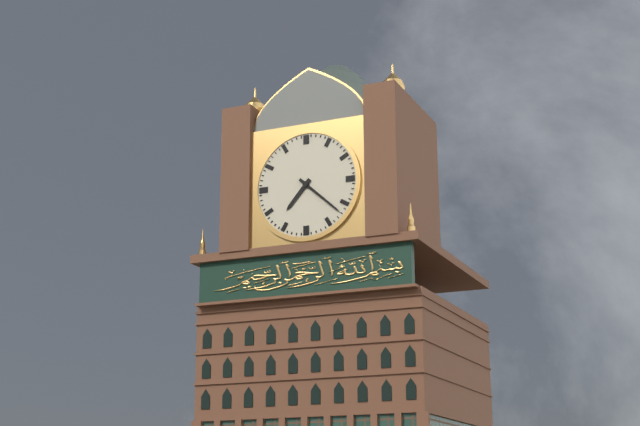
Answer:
7 h 22 min
